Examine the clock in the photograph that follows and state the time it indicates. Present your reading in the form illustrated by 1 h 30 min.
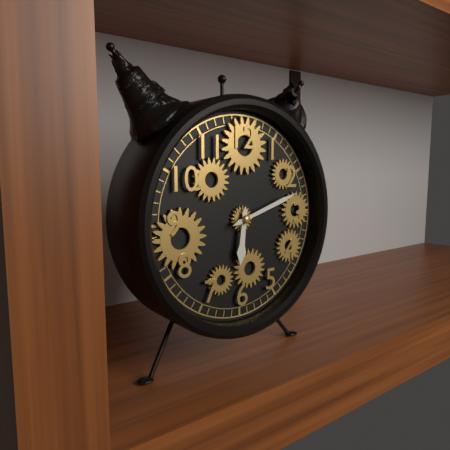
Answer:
6 h 12 min
